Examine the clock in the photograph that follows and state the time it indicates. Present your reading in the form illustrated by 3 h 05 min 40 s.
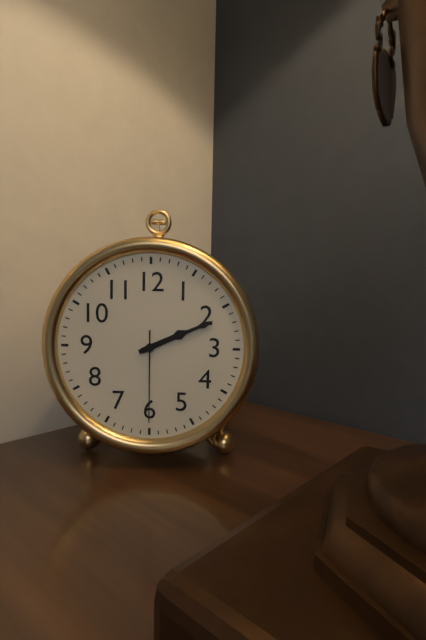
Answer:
2 h 11 min 30 s
